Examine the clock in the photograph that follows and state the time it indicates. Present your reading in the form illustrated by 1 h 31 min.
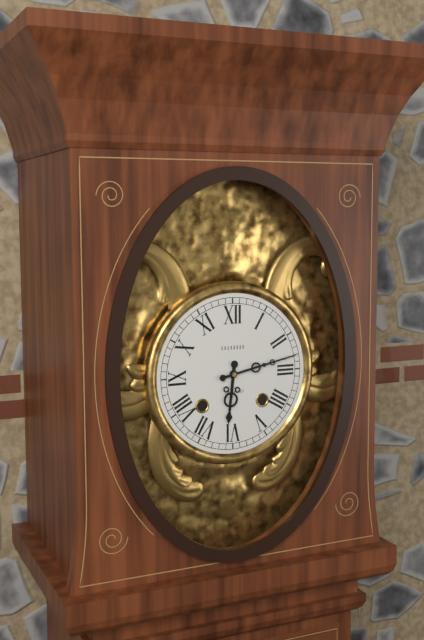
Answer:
6 h 13 min
